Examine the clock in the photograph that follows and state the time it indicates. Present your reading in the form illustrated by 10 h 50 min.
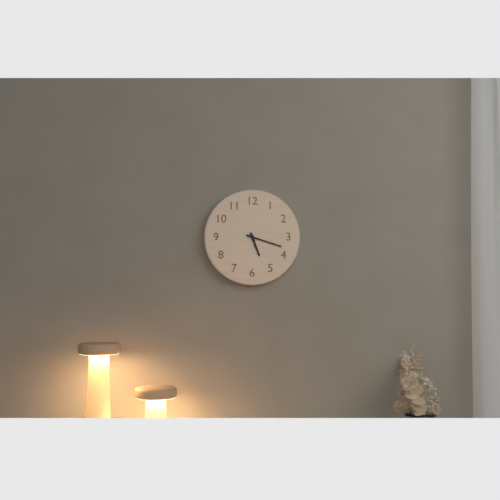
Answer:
5 h 18 min
